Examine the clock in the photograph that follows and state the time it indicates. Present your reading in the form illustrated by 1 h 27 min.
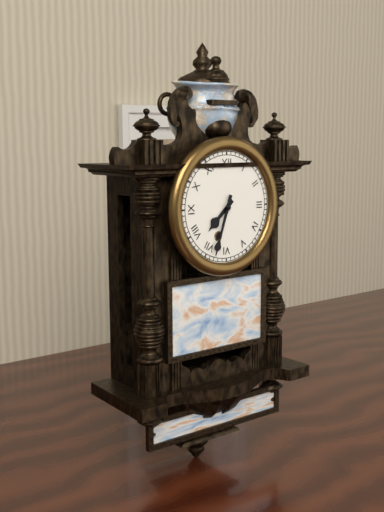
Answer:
7 h 33 min
